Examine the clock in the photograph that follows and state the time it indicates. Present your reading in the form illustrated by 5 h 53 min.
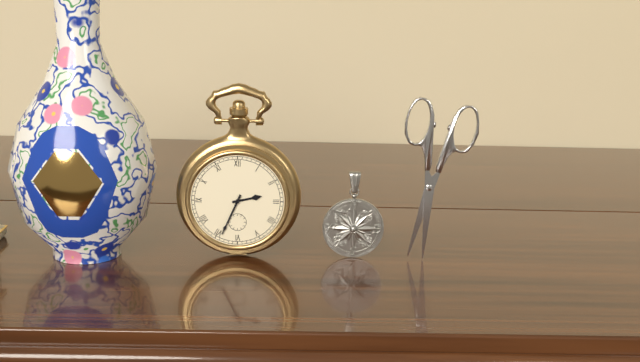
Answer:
2 h 34 min
